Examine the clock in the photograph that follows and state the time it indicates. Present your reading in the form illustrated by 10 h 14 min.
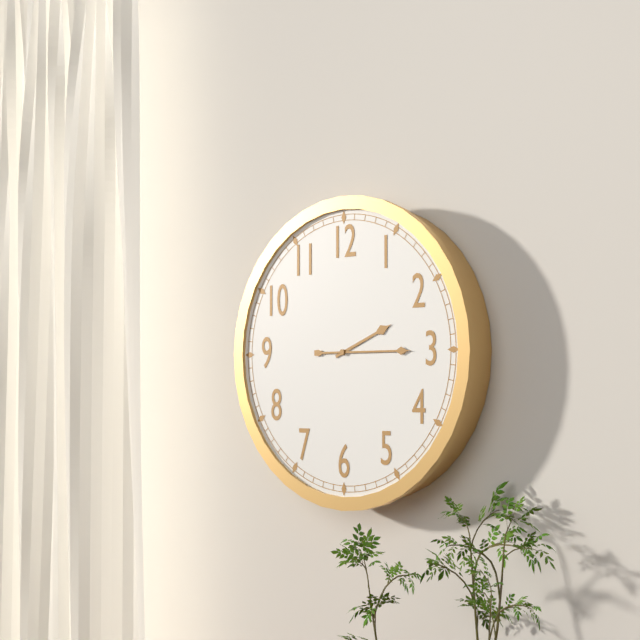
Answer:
2 h 15 min
